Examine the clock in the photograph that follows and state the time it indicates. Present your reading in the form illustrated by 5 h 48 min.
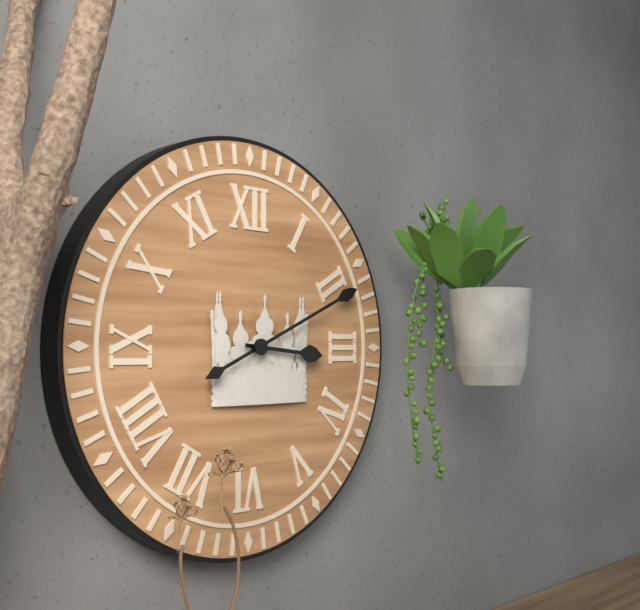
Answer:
3 h 11 min
